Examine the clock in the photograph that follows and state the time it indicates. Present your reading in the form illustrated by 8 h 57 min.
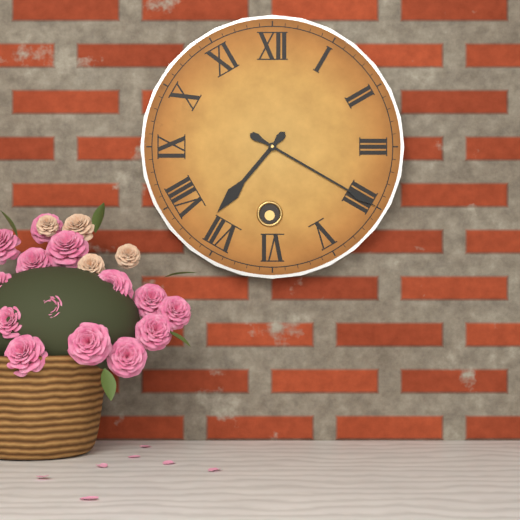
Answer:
7 h 20 min
